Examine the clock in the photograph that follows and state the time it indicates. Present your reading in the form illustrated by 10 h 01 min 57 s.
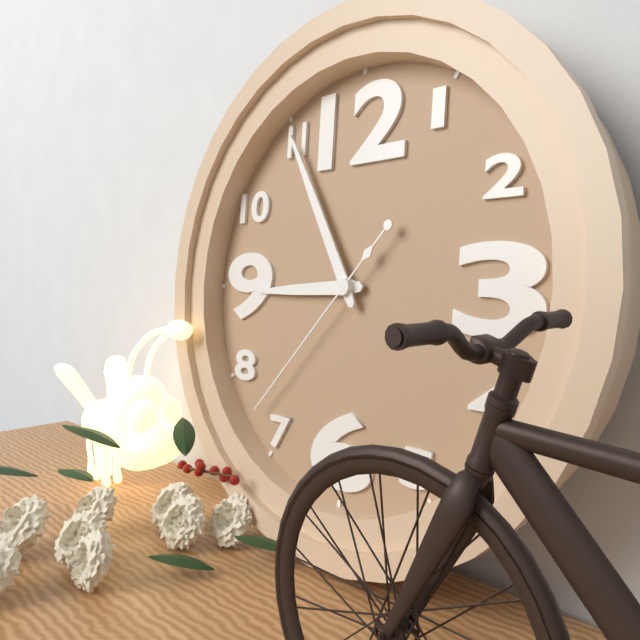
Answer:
8 h 55 min 37 s
